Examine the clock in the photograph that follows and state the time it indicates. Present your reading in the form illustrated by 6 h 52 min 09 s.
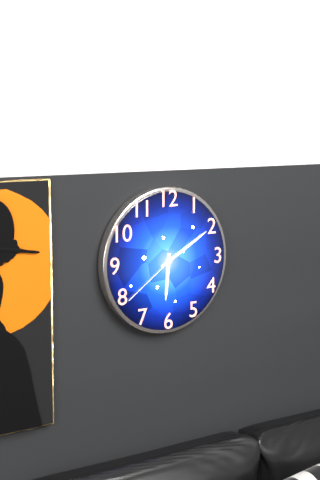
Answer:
6 h 10 min 39 s
